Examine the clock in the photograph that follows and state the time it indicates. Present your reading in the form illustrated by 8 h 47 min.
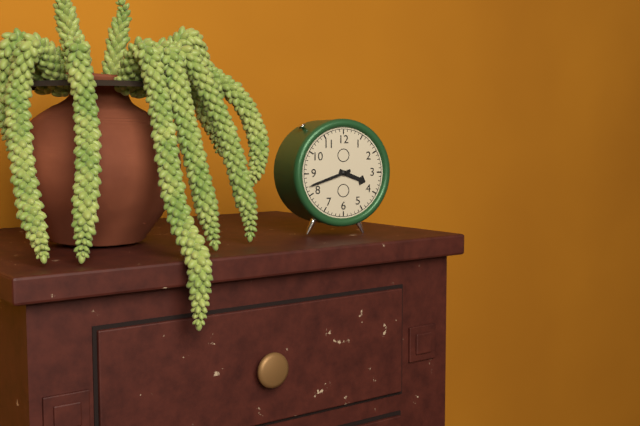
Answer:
3 h 42 min
